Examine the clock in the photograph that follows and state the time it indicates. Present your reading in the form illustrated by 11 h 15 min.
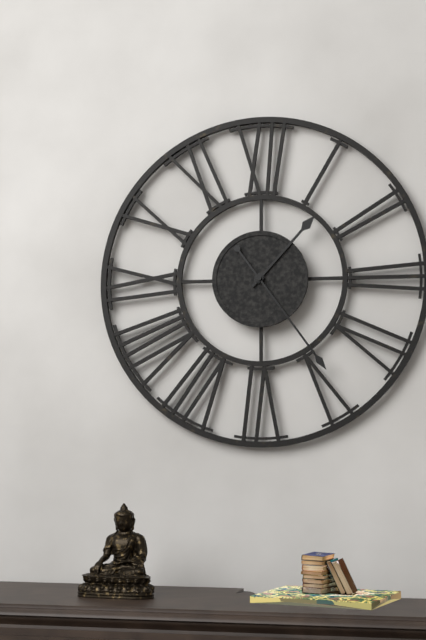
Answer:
1 h 24 min
